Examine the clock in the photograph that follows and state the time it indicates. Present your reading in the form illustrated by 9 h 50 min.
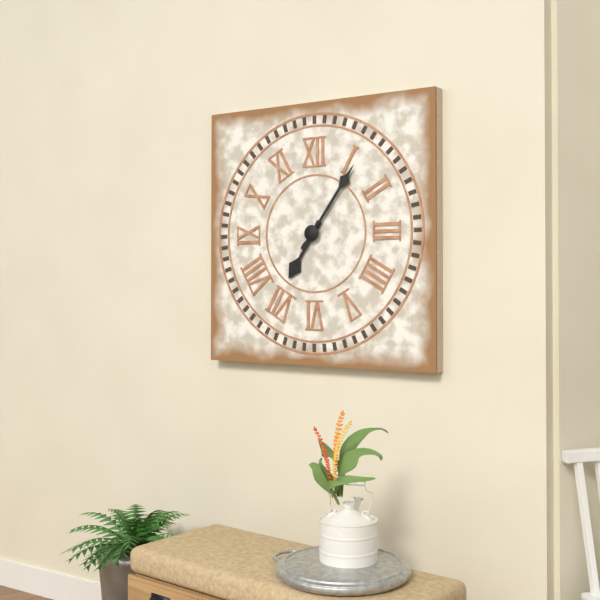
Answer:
7 h 06 min
